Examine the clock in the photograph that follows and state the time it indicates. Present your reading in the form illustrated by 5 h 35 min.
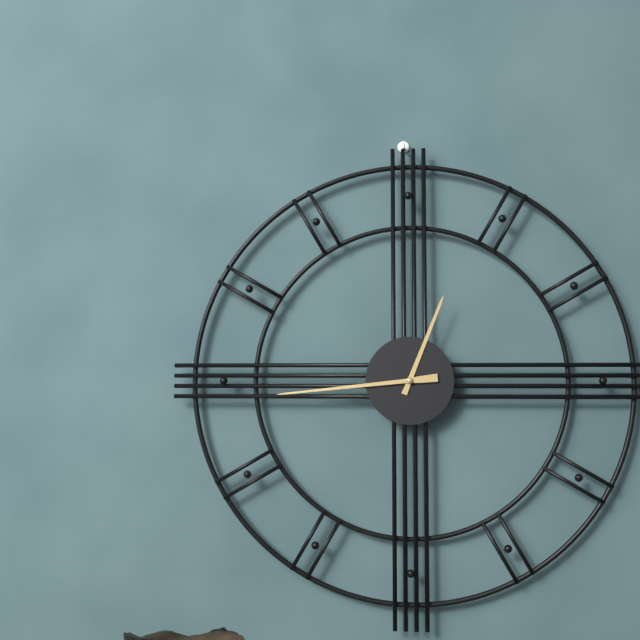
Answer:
12 h 44 min
